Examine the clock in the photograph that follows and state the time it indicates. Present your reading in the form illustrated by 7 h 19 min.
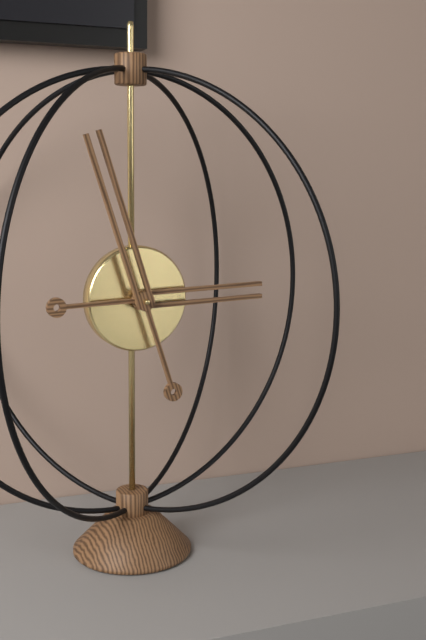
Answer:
2 h 57 min
